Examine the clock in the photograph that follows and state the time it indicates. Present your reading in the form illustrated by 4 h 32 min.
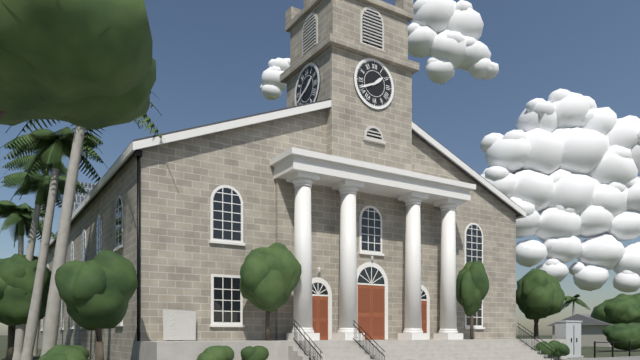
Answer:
1 h 41 min
